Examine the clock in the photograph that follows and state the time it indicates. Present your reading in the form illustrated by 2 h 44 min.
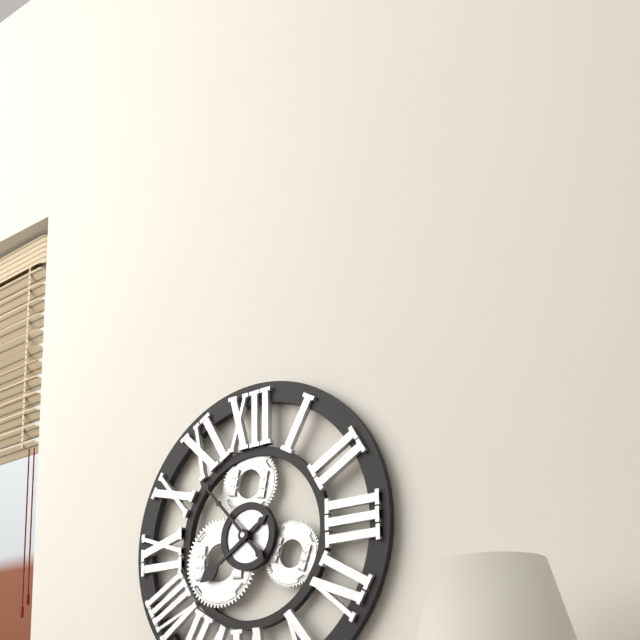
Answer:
7 h 53 min
